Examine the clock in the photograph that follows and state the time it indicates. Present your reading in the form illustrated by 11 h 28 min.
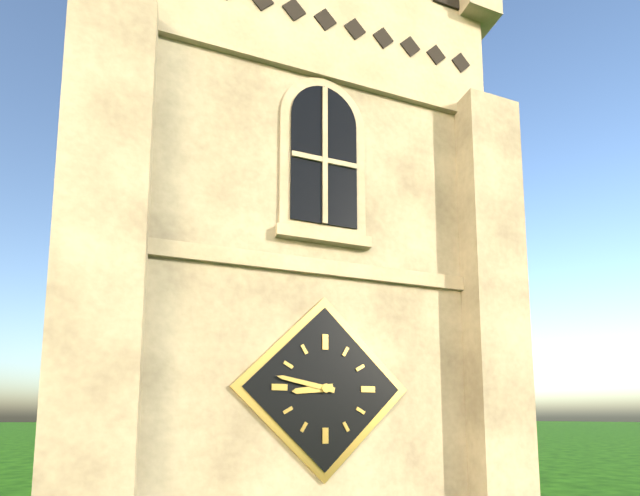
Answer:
8 h 47 min
